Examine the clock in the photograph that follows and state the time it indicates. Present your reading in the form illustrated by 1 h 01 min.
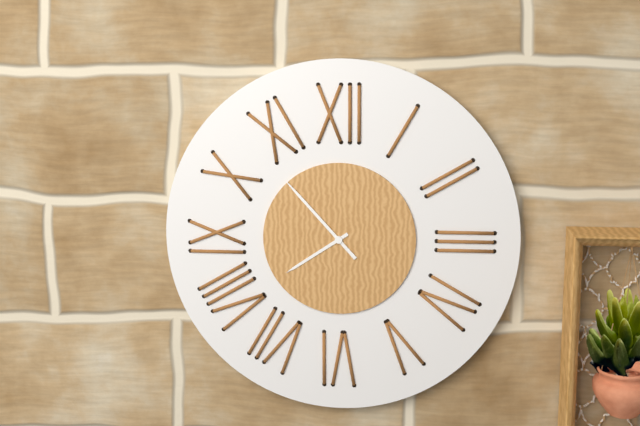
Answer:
7 h 53 min
